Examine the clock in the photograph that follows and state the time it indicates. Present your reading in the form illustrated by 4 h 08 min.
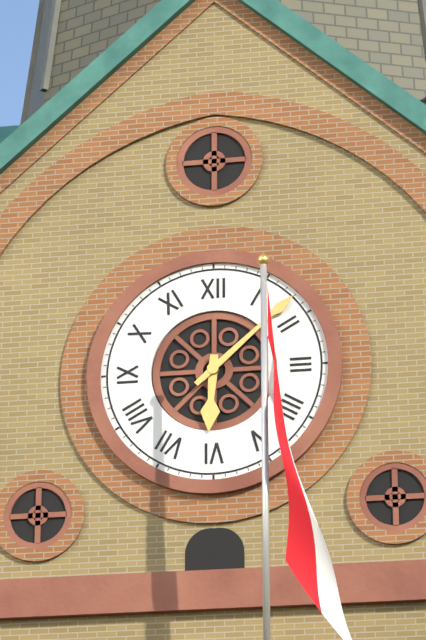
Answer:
6 h 08 min
